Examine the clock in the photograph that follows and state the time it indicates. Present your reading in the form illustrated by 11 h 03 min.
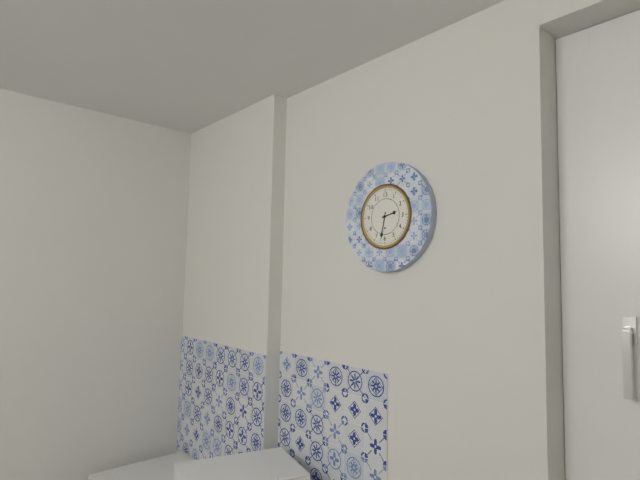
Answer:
2 h 32 min
